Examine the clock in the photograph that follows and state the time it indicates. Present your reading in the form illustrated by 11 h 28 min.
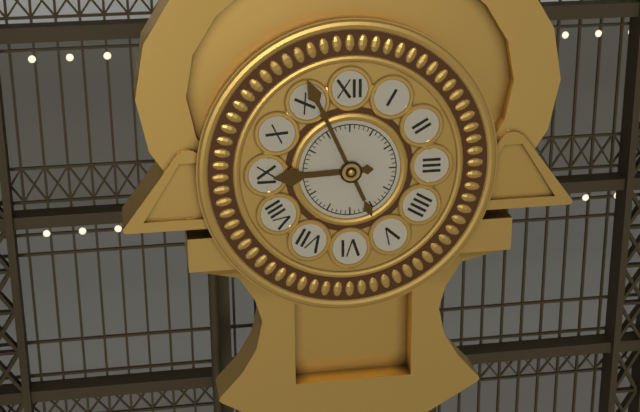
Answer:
8 h 56 min
